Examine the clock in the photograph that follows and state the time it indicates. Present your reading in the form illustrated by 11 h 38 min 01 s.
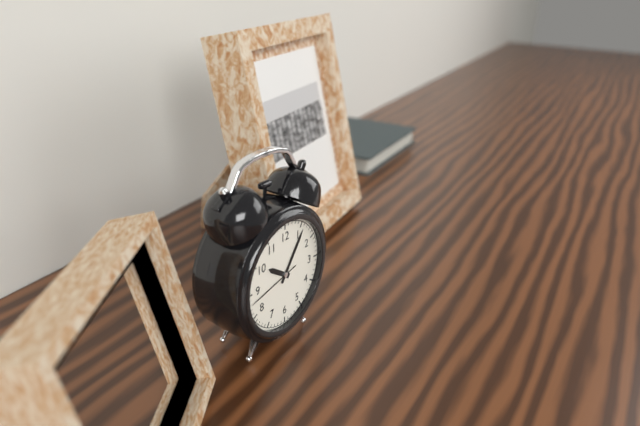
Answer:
10 h 06 min 43 s
